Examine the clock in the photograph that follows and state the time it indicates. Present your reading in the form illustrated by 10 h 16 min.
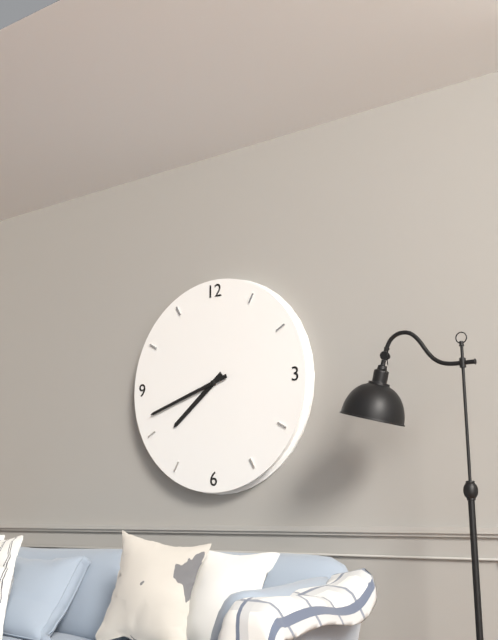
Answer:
7 h 42 min
